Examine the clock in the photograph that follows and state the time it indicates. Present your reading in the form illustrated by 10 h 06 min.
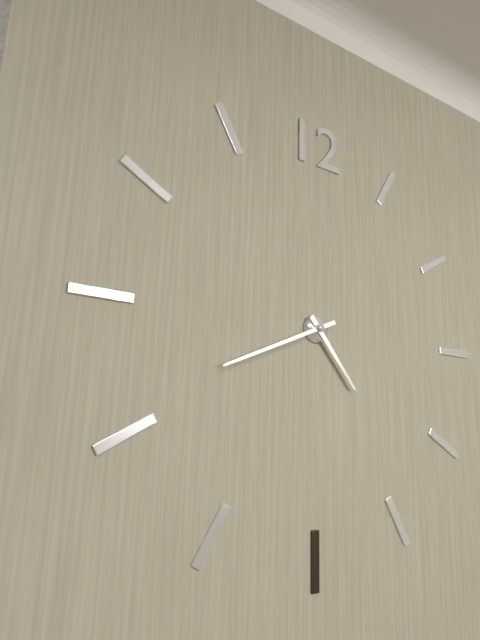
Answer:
4 h 41 min
